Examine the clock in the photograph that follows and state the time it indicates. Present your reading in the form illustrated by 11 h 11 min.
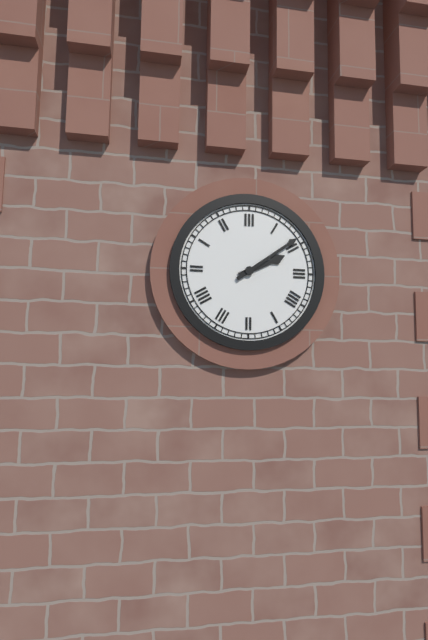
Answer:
2 h 09 min
